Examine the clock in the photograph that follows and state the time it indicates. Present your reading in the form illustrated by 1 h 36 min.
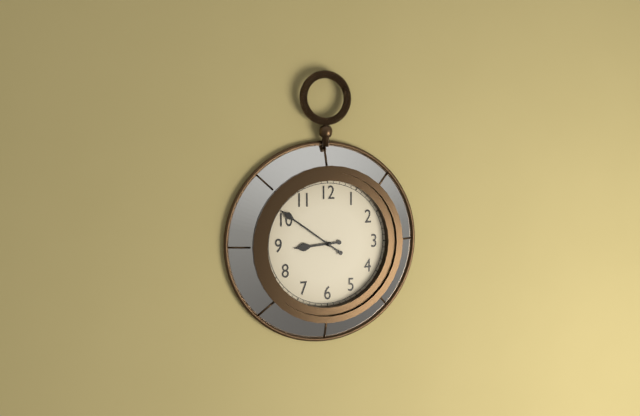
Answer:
8 h 51 min
